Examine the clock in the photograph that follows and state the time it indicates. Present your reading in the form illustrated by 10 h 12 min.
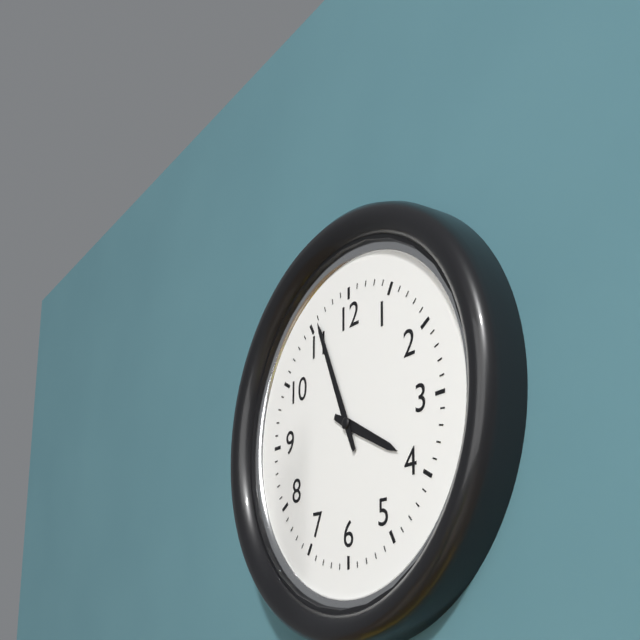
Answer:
3 h 56 min
